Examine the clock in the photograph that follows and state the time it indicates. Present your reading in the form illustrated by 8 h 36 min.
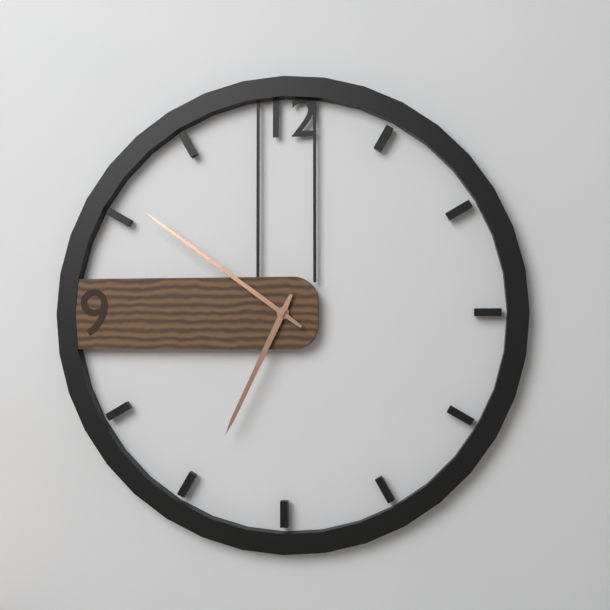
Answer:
6 h 51 min
